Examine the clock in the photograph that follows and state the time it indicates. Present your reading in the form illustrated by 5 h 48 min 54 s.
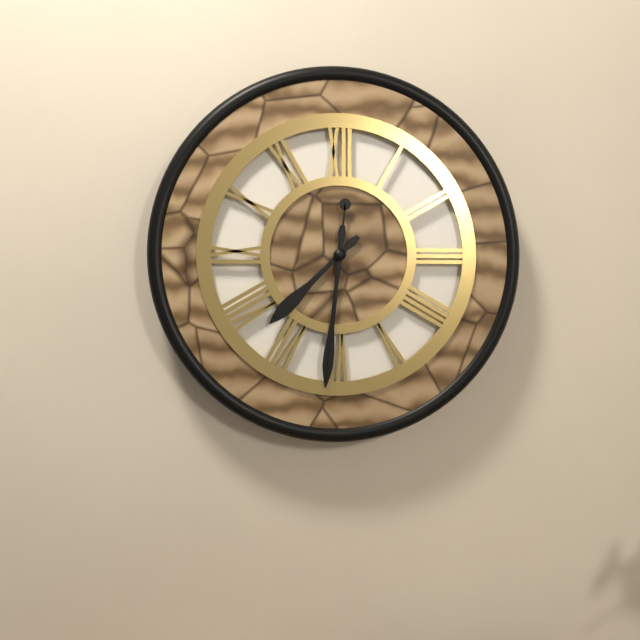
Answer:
7 h 31 min 31 s
